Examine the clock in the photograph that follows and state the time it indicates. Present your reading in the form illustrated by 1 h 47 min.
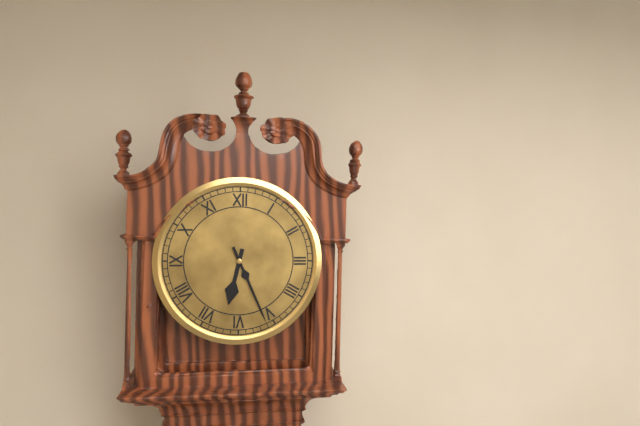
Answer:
6 h 26 min
